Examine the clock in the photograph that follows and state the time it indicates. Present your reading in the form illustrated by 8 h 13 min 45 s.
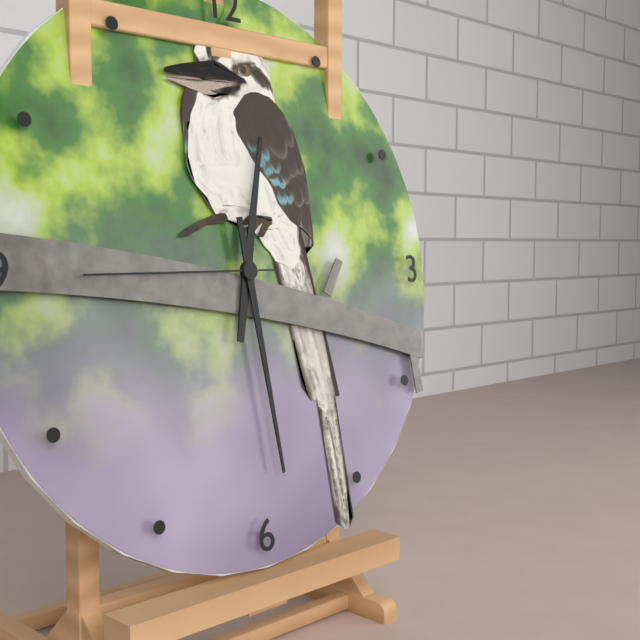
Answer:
12 h 29 min 45 s
